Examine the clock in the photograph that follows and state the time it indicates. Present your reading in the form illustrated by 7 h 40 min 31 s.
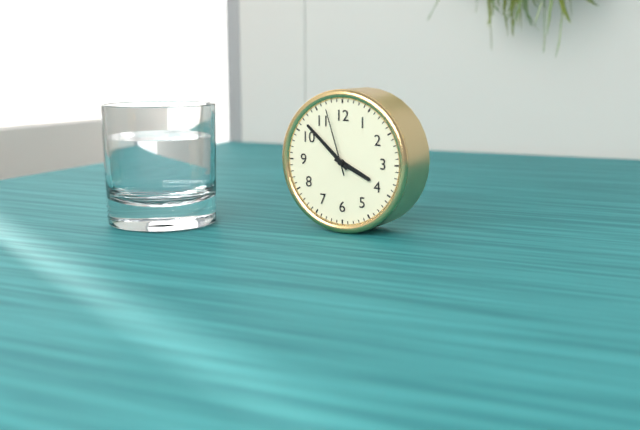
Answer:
3 h 52 min 57 s
